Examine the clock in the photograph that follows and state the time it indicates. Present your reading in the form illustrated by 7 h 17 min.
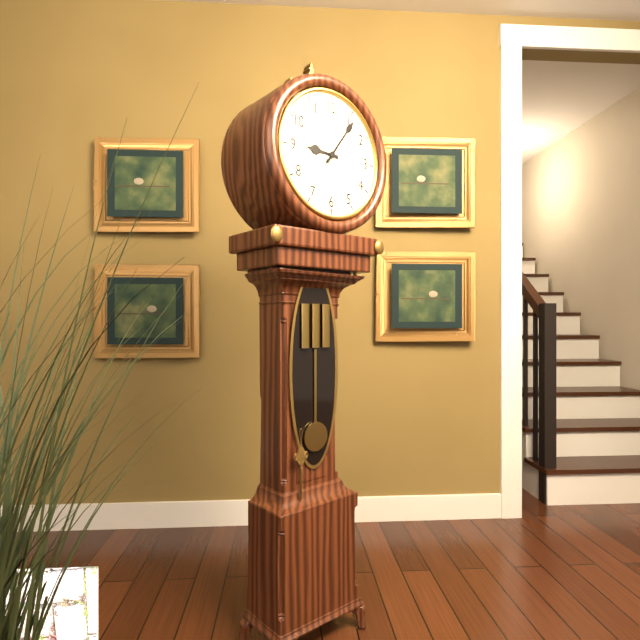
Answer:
9 h 06 min
